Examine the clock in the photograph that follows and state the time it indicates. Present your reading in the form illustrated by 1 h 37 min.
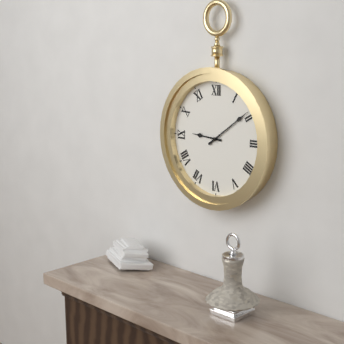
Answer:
9 h 09 min
